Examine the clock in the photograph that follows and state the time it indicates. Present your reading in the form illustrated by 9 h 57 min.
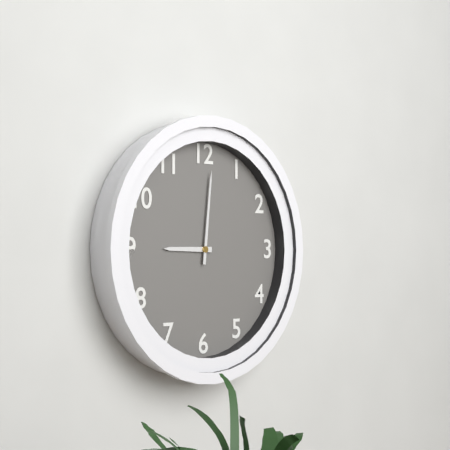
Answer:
9 h 01 min
